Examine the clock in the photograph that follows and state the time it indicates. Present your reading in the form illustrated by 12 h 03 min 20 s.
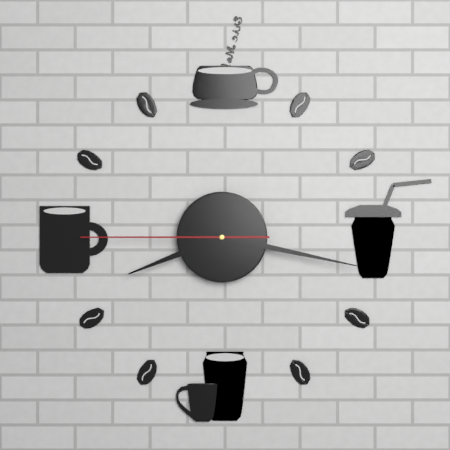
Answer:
8 h 17 min 45 s
